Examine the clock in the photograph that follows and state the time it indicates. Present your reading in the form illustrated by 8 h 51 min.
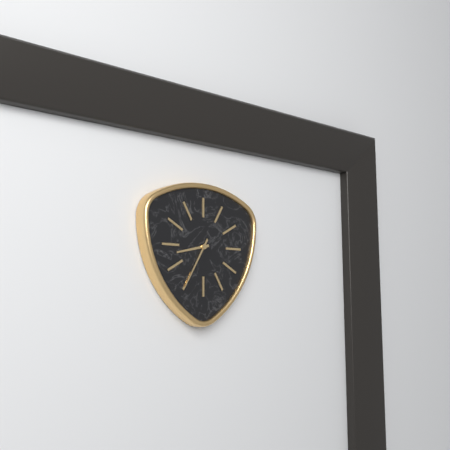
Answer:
8 h 35 min
